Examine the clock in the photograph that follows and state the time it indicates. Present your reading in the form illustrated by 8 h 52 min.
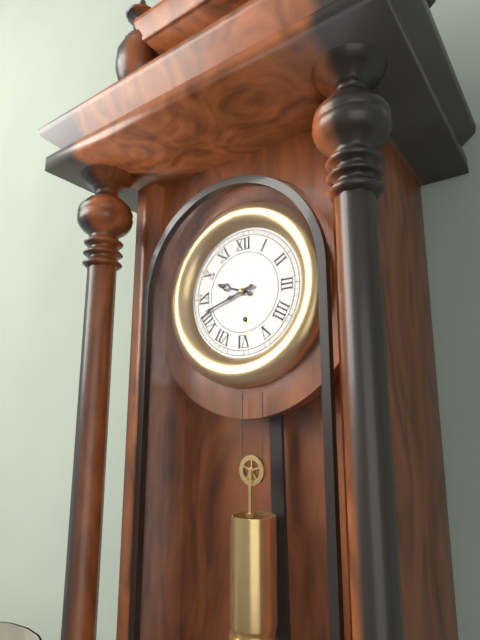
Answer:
9 h 42 min
